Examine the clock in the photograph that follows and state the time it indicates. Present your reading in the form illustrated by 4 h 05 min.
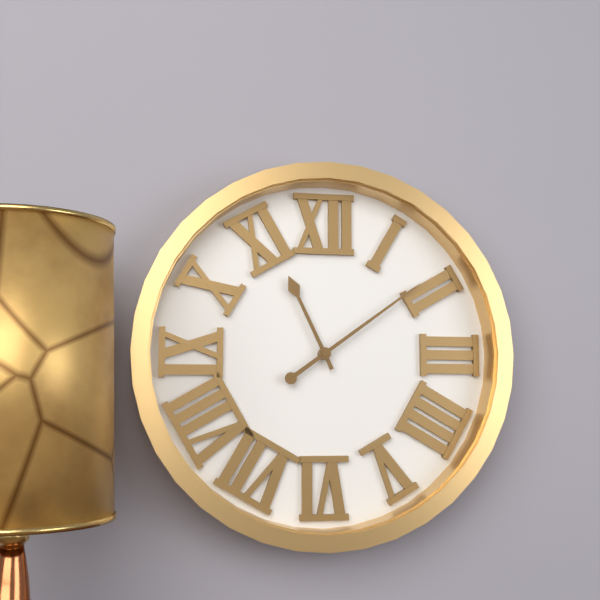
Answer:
11 h 09 min
